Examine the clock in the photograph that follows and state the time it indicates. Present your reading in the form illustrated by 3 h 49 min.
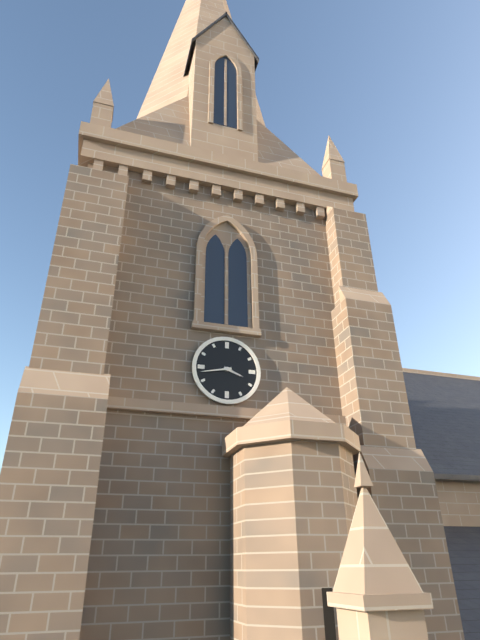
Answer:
3 h 43 min
